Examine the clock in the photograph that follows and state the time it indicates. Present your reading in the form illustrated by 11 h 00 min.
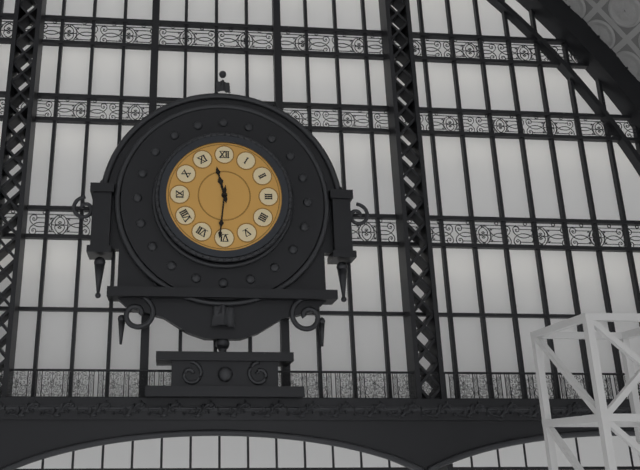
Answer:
11 h 31 min
